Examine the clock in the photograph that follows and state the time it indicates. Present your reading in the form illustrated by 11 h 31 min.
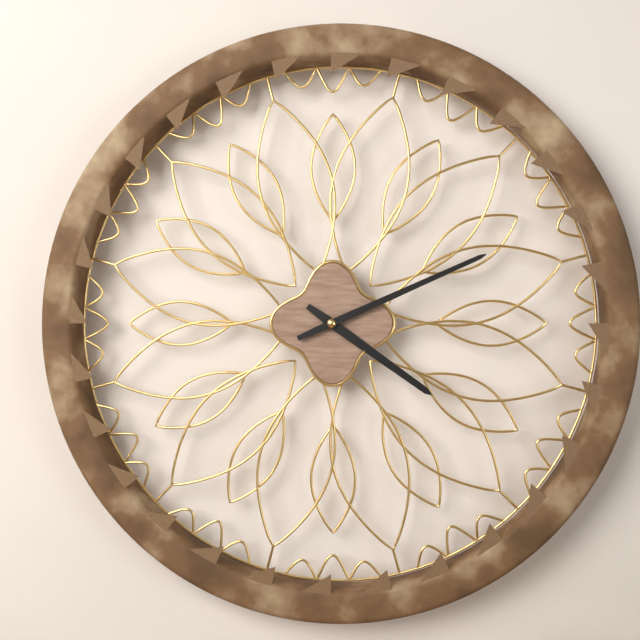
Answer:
4 h 11 min
